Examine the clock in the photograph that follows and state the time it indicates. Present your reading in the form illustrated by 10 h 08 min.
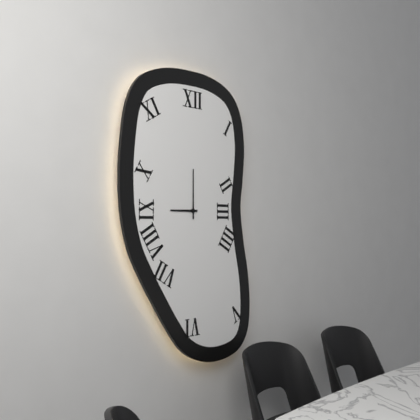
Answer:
9 h 00 min
